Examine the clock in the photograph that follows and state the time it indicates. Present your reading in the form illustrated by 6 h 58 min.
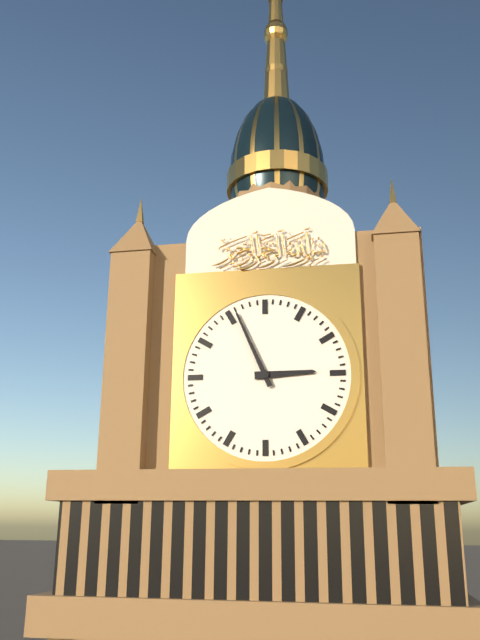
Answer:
2 h 56 min
